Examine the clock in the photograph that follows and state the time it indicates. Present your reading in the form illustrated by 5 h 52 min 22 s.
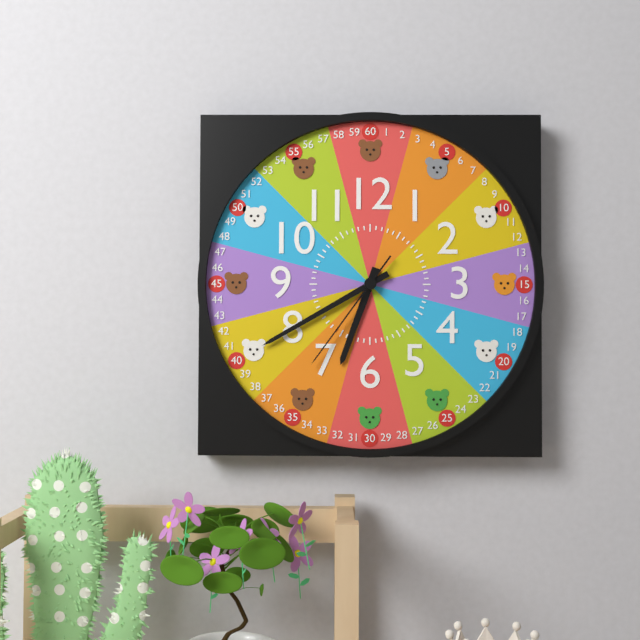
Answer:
6 h 40 min 36 s
